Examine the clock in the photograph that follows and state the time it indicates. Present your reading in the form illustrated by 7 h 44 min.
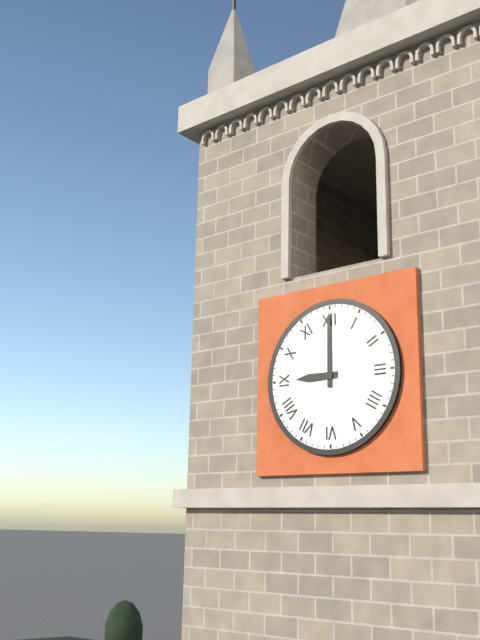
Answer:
9 h 00 min
